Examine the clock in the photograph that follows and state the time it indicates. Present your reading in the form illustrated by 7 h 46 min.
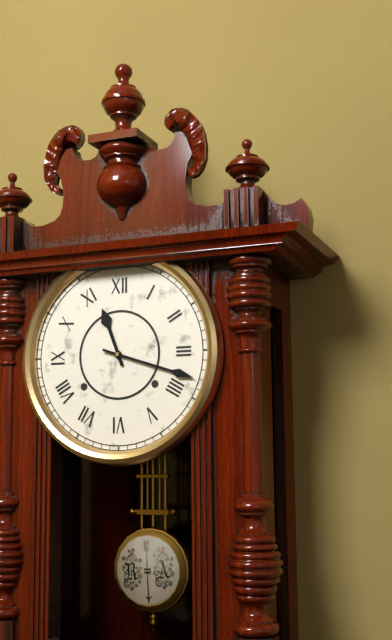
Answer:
11 h 18 min
